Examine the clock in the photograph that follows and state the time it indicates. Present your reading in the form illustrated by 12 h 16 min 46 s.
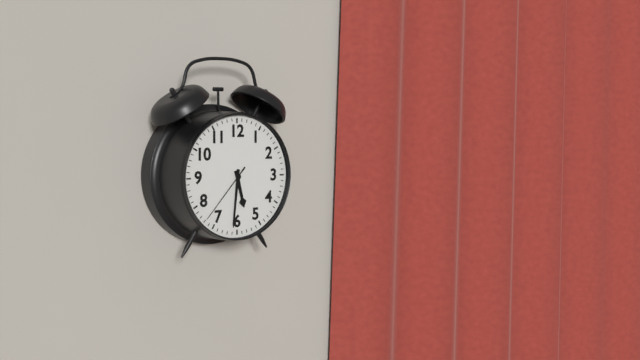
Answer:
5 h 31 min 37 s
